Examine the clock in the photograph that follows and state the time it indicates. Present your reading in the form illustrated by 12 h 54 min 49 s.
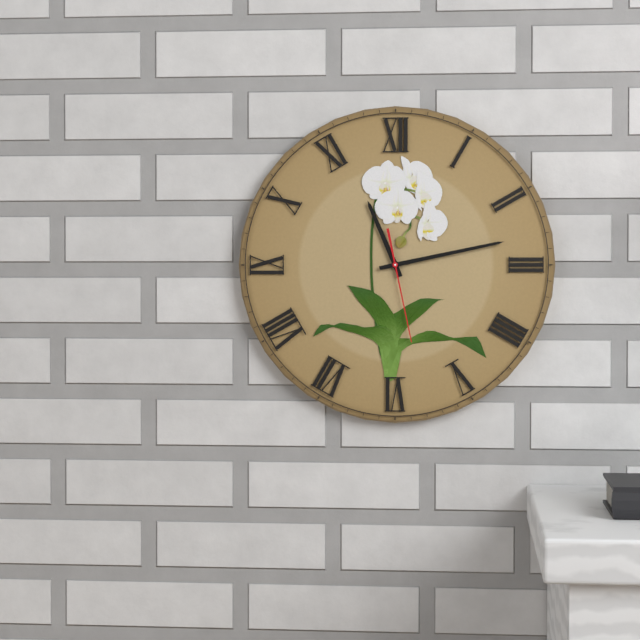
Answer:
11 h 13 min 28 s
